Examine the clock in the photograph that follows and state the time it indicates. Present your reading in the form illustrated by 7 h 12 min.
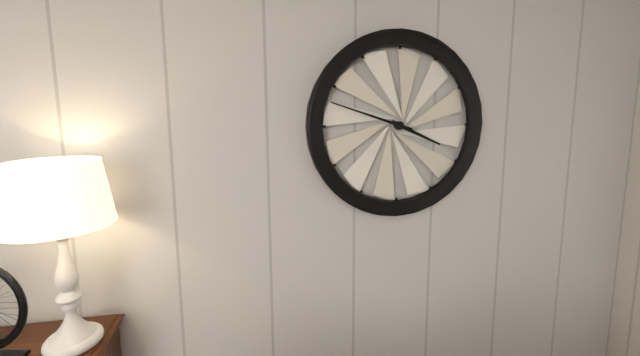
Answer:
3 h 48 min
